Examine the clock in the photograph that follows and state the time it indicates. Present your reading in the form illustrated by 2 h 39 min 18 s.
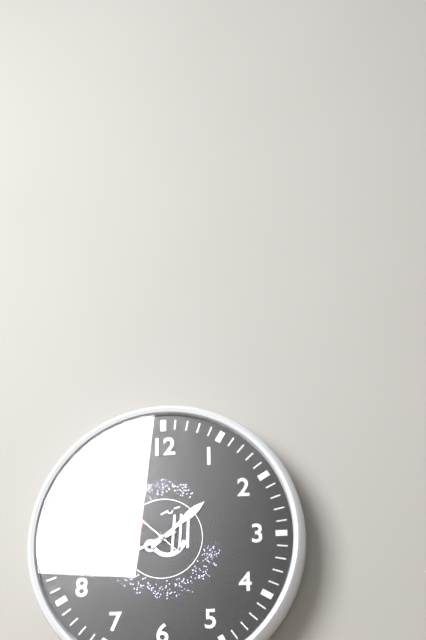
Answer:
1 h 41 min 52 s
